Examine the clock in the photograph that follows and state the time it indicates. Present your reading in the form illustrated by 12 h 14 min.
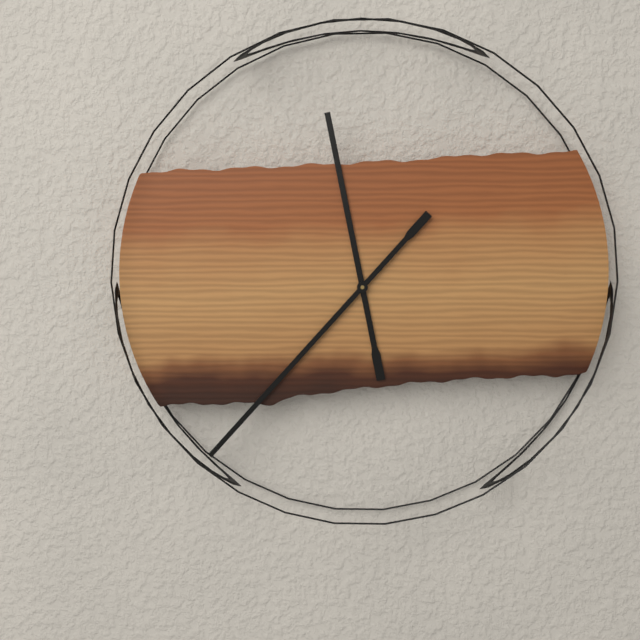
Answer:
11 h 37 min
